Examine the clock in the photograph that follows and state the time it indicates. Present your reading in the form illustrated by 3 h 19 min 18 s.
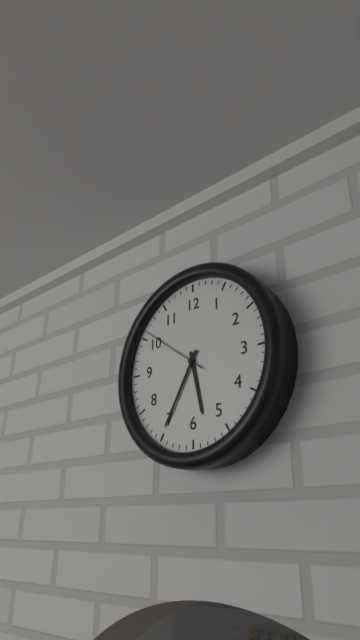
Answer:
5 h 35 min 51 s
